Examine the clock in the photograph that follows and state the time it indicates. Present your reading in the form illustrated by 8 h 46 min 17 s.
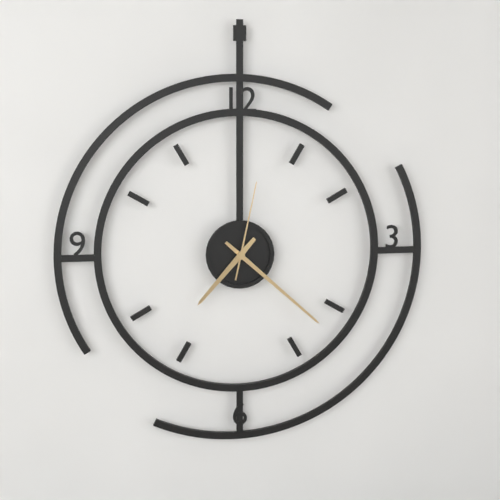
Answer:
7 h 22 min 02 s
